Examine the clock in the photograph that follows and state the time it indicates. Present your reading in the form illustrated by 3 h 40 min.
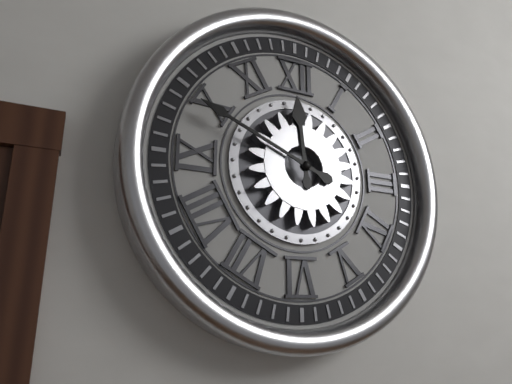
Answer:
11 h 49 min
